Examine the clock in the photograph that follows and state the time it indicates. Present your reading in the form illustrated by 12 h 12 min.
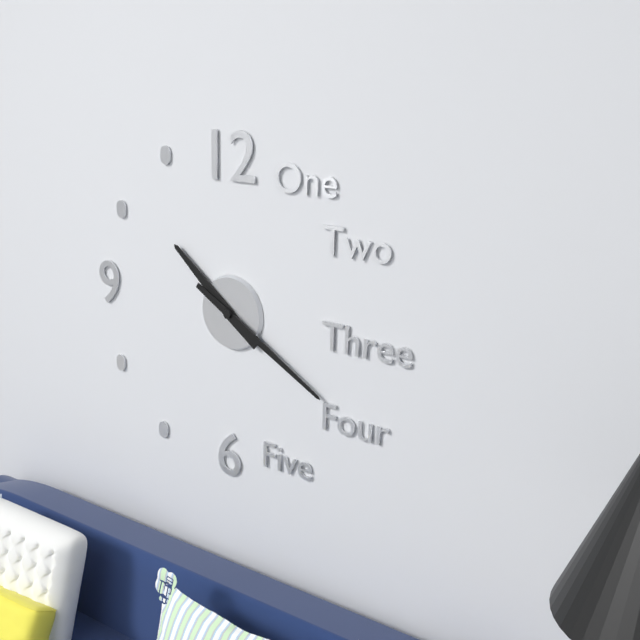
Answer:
10 h 20 min
